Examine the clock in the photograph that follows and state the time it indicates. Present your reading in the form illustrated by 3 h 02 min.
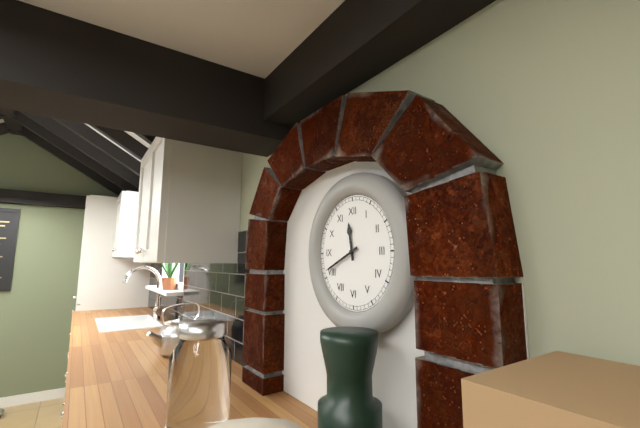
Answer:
11 h 41 min
